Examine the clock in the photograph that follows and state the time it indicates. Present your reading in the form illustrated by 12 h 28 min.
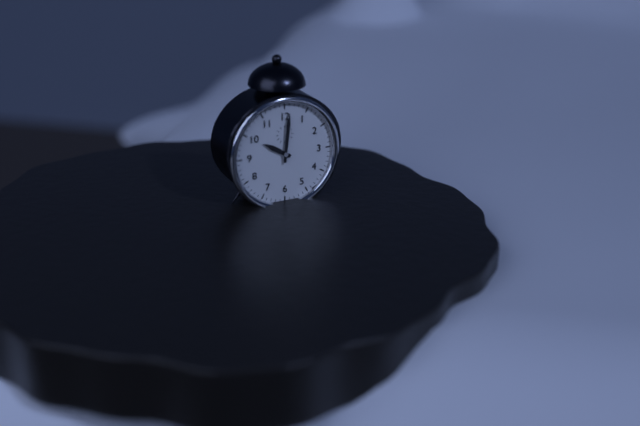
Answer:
10 h 01 min
